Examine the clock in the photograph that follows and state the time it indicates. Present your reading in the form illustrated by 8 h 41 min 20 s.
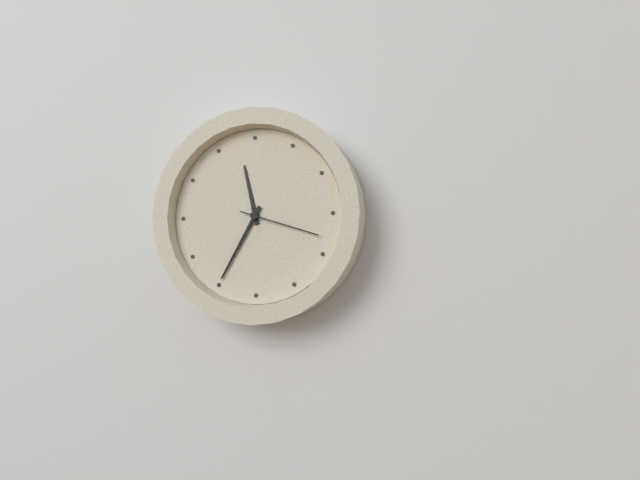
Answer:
11 h 35 min 18 s
